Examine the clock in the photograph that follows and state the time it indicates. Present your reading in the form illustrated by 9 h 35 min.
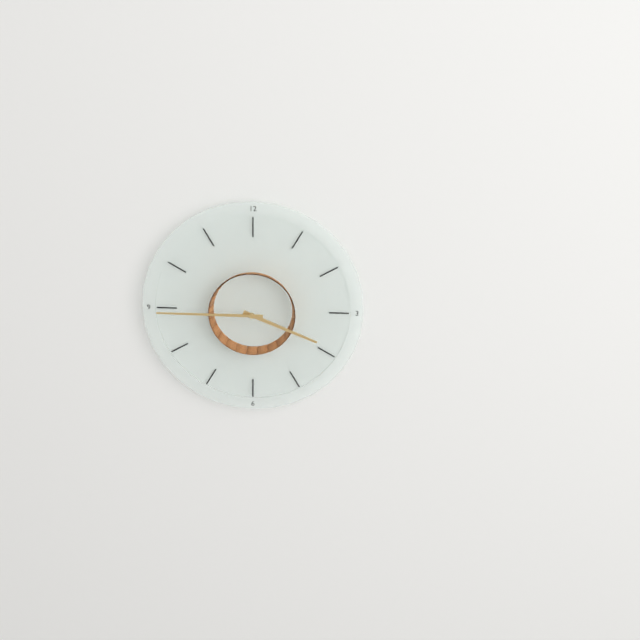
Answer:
3 h 45 min
